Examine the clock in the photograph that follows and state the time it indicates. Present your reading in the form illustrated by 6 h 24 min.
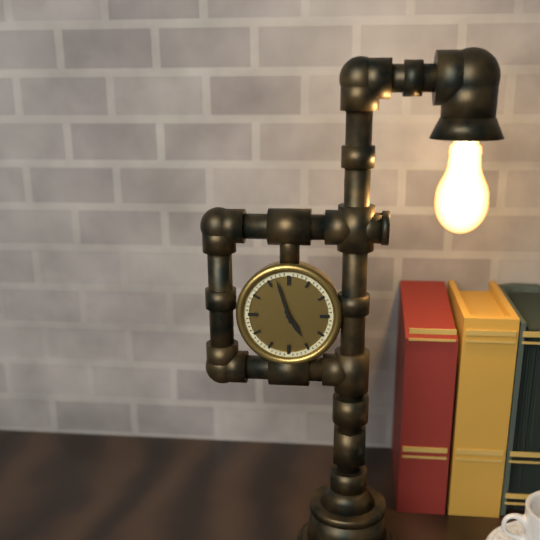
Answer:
4 h 57 min
